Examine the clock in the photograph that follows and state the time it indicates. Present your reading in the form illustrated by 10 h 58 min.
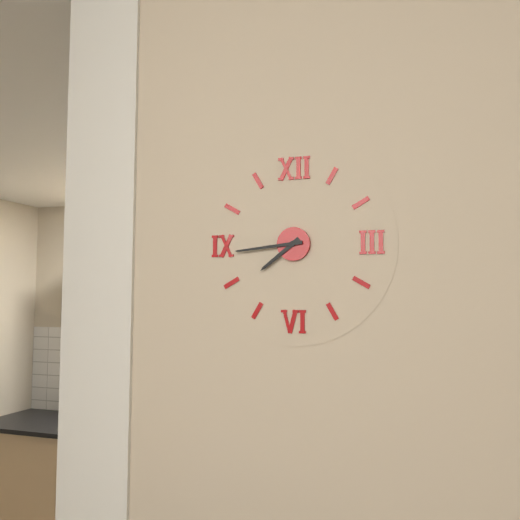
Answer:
7 h 44 min
